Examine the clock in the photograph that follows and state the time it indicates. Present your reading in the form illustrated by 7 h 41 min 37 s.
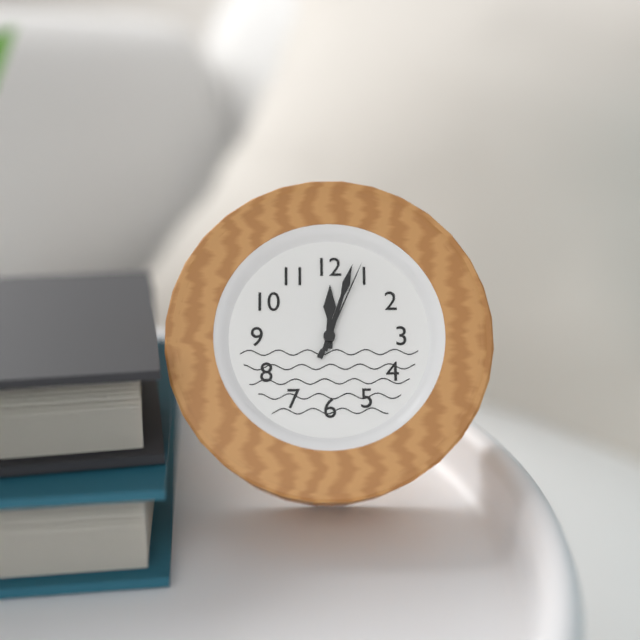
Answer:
12 h 03 min 04 s
